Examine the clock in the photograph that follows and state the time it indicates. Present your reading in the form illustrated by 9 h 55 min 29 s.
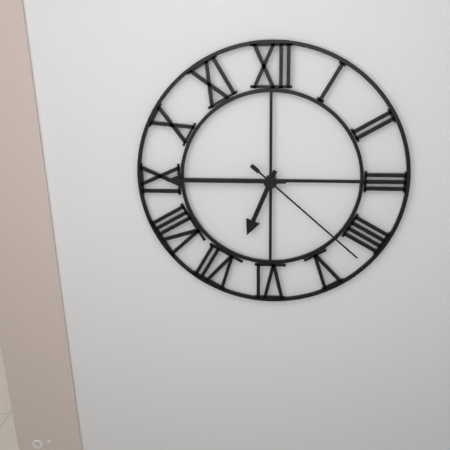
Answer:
6 h 45 min 22 s
